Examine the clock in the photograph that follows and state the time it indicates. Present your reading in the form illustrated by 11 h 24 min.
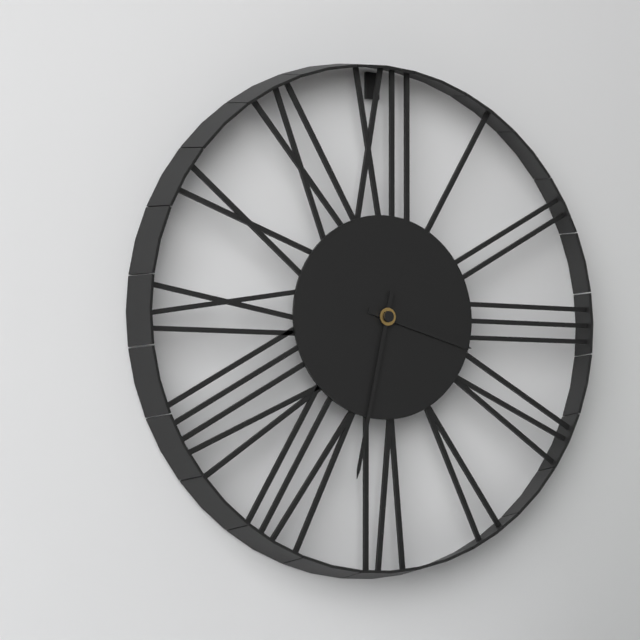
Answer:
3 h 32 min
